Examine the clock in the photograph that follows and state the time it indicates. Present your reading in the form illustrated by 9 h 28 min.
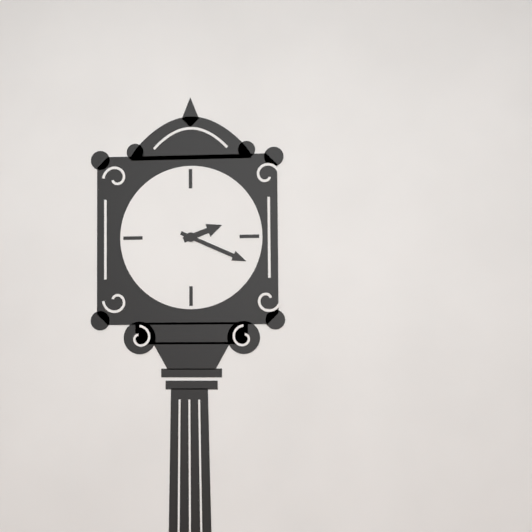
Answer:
2 h 19 min
